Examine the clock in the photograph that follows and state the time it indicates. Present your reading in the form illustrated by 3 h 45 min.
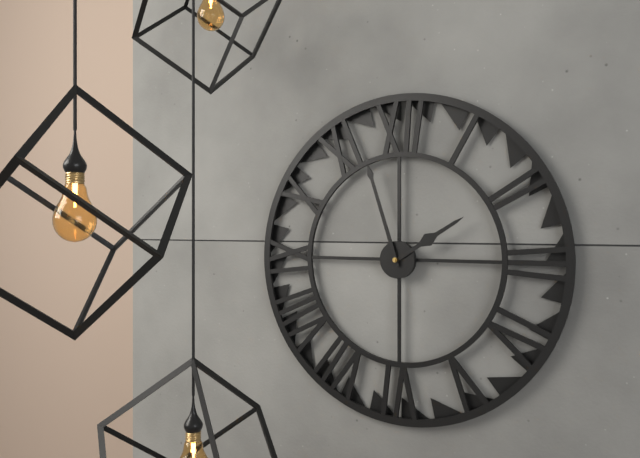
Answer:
1 h 57 min
